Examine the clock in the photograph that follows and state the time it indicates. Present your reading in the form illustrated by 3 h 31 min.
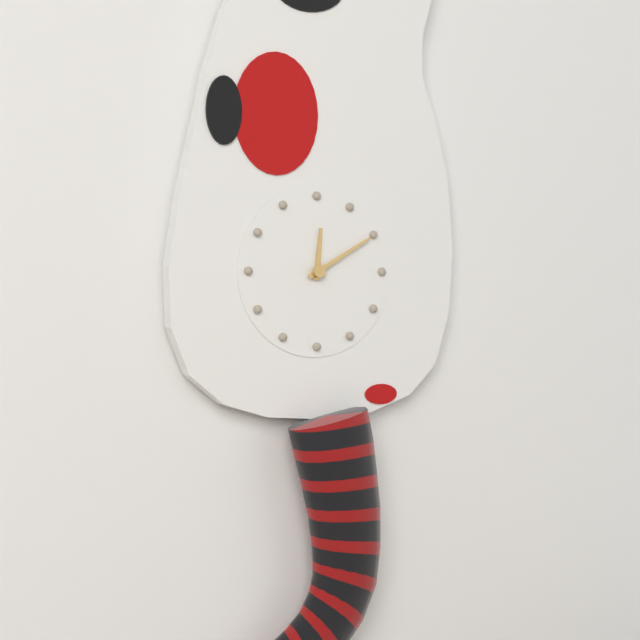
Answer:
12 h 10 min
